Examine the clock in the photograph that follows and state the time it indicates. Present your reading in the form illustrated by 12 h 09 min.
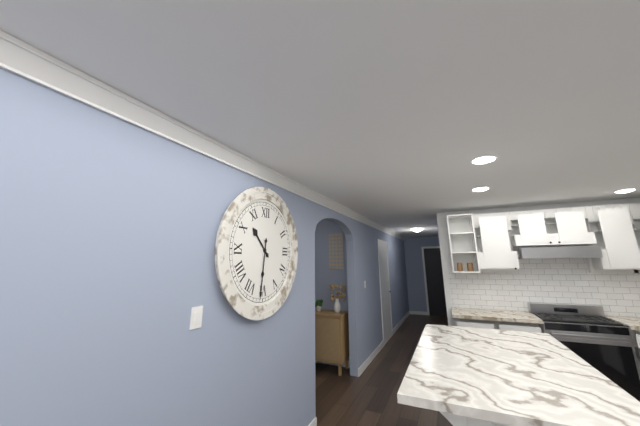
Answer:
10 h 31 min
